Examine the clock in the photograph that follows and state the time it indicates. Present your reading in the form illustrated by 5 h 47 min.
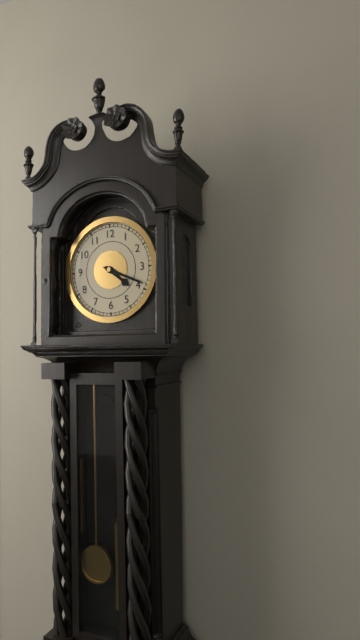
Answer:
4 h 19 min
